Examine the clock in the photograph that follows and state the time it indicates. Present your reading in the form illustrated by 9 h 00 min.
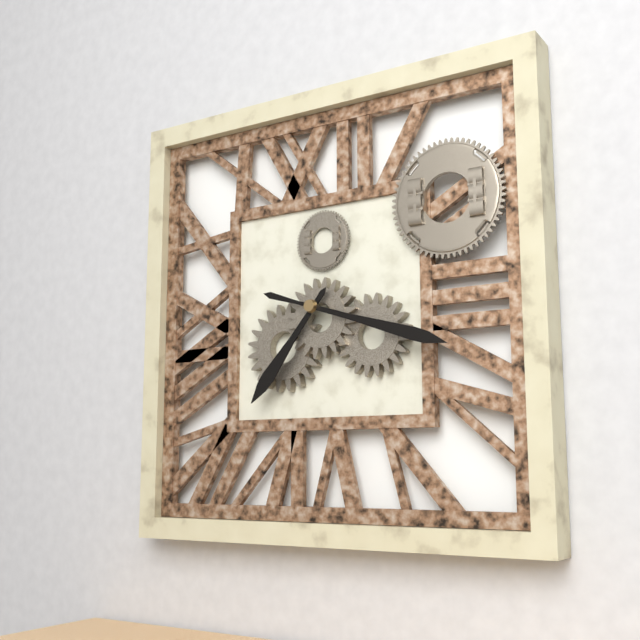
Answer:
7 h 18 min
